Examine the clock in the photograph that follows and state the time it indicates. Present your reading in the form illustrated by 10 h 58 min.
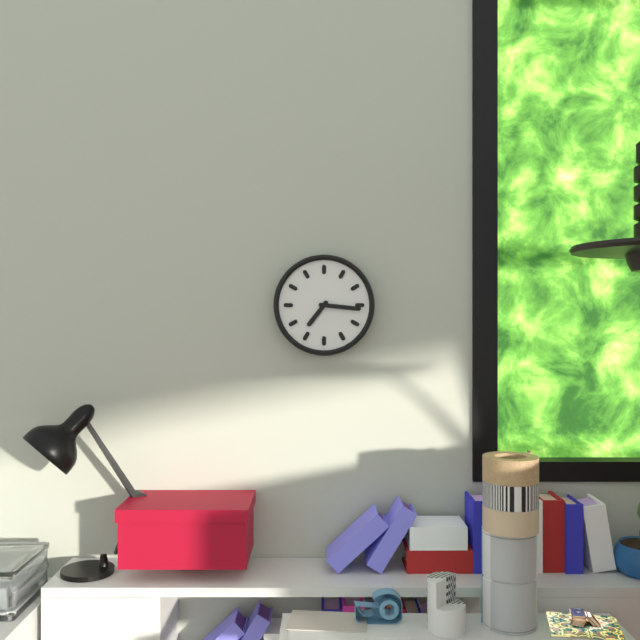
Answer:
7 h 16 min
